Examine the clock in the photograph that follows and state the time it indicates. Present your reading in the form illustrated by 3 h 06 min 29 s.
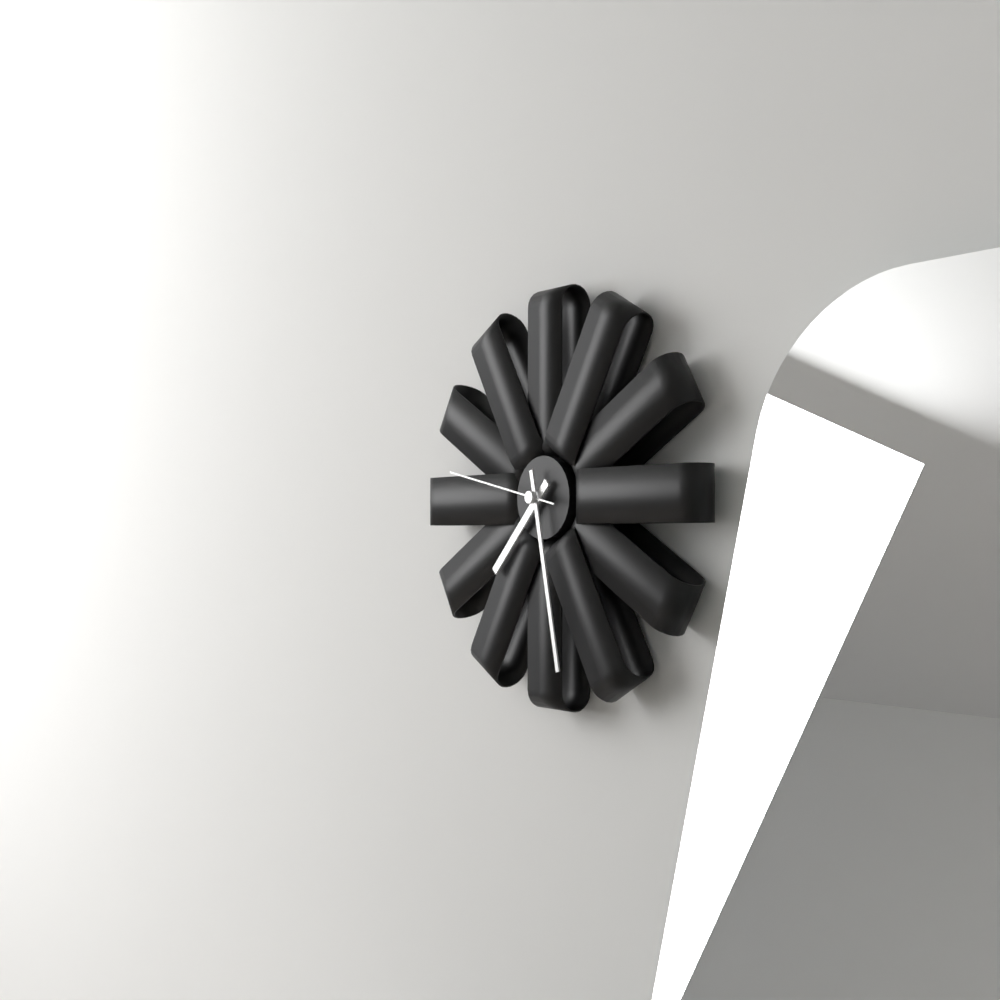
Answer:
7 h 28 min 47 s
